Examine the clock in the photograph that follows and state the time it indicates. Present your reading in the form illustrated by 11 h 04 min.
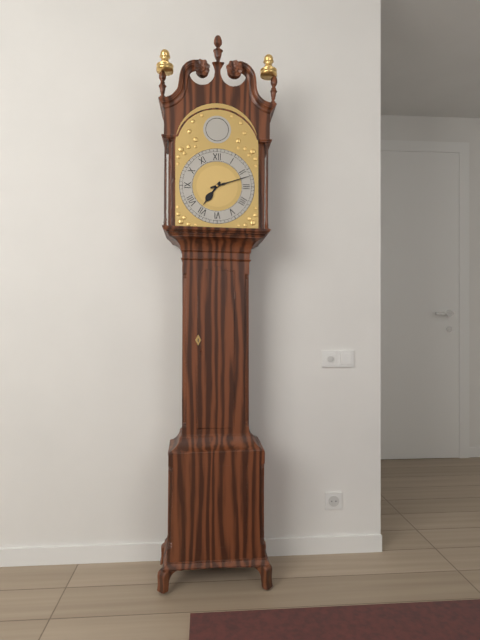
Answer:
7 h 12 min
